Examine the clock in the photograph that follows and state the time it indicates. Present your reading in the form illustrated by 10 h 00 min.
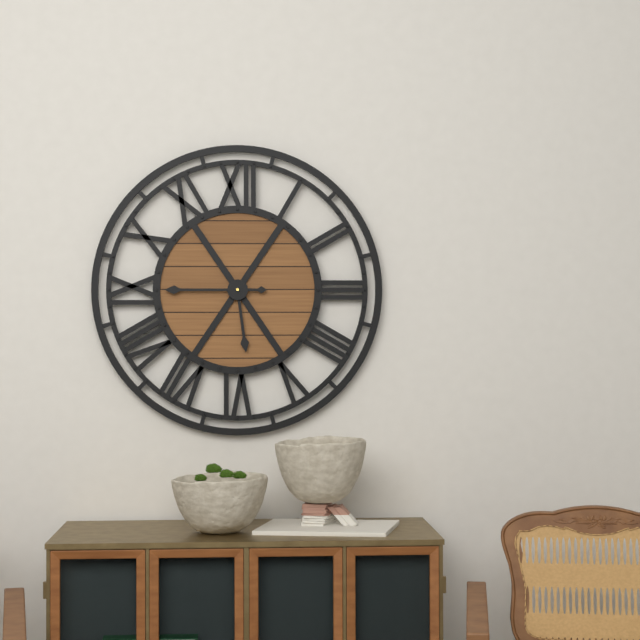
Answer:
5 h 45 min
